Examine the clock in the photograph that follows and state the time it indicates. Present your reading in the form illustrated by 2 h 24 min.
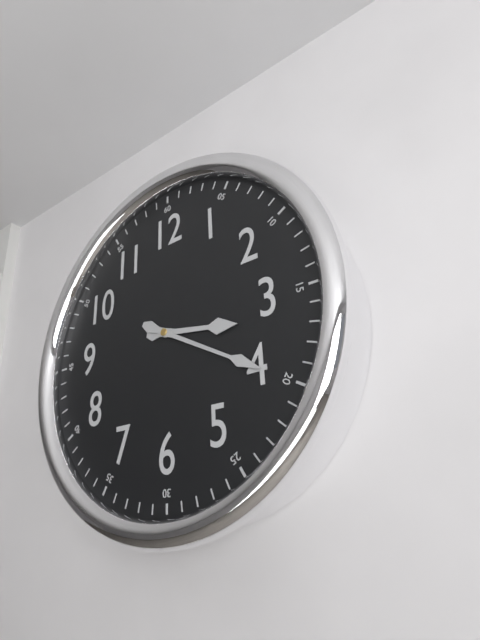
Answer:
3 h 20 min
